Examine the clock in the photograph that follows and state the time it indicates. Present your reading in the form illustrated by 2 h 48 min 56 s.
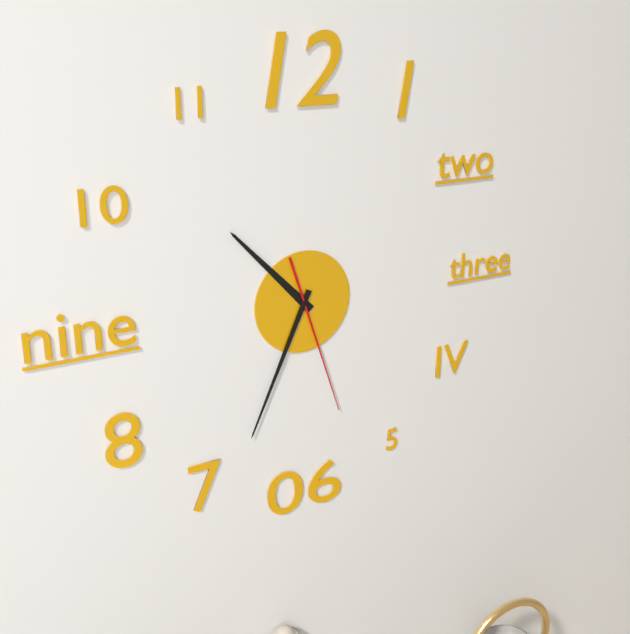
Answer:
10 h 34 min 27 s
